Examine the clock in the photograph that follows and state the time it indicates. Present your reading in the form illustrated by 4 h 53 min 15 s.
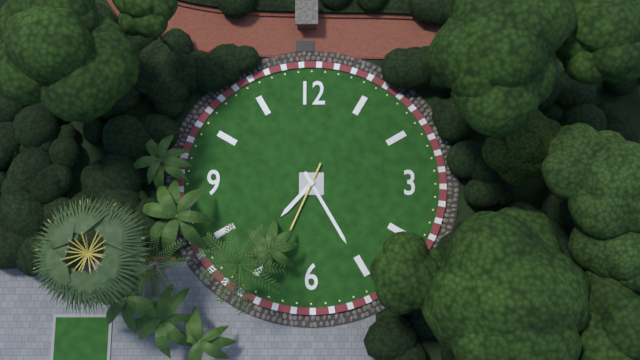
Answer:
7 h 25 min 34 s
